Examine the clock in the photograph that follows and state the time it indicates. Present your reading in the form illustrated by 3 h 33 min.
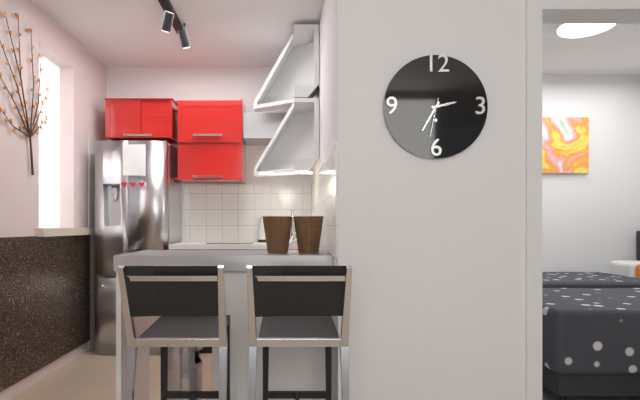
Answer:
2 h 35 min
